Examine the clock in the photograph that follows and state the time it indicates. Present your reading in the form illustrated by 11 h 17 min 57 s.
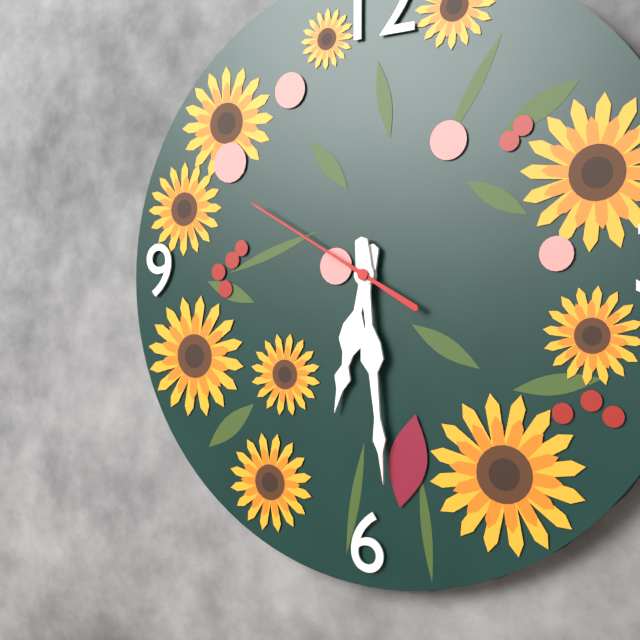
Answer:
6 h 29 min 50 s
